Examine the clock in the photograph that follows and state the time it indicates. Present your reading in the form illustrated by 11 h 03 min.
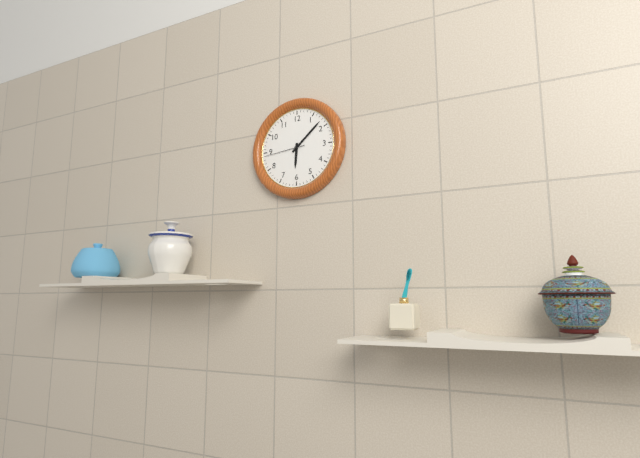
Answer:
6 h 08 min
